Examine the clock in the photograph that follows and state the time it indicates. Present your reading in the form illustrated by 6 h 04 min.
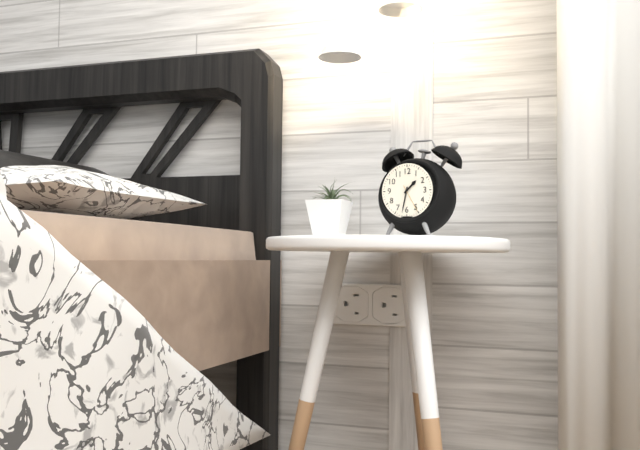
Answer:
1 h 32 min
